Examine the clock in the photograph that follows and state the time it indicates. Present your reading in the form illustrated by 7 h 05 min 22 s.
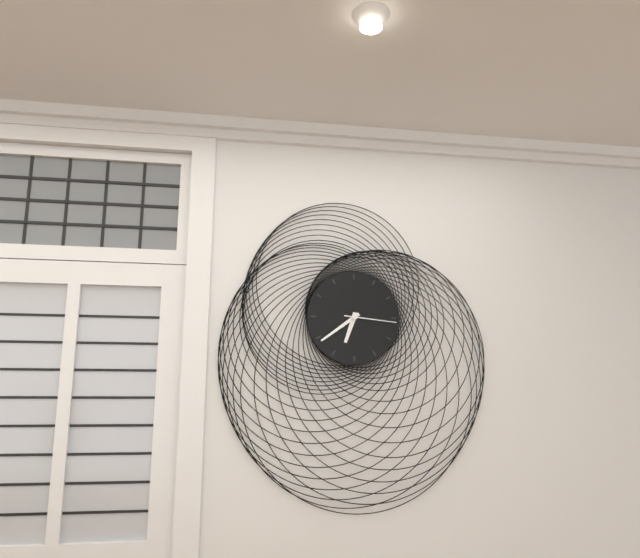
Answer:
6 h 39 min 16 s
